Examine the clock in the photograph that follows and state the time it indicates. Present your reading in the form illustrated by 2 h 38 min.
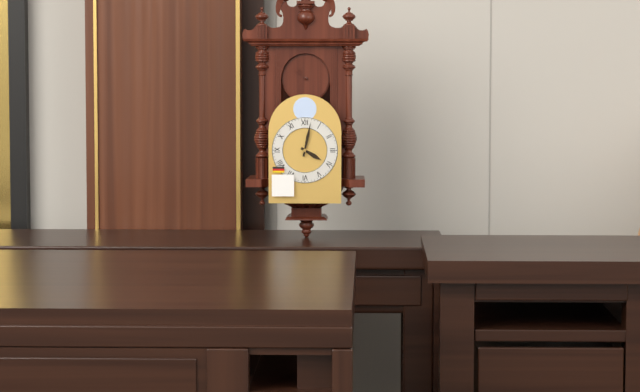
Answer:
4 h 02 min
